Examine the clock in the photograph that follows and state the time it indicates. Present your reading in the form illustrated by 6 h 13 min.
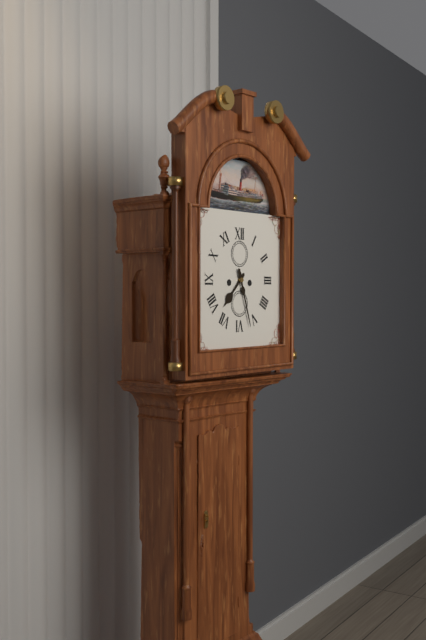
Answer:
7 h 27 min
